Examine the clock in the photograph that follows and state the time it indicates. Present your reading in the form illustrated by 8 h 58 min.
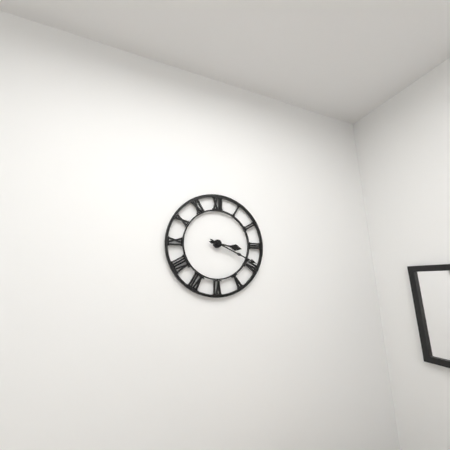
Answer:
3 h 19 min
